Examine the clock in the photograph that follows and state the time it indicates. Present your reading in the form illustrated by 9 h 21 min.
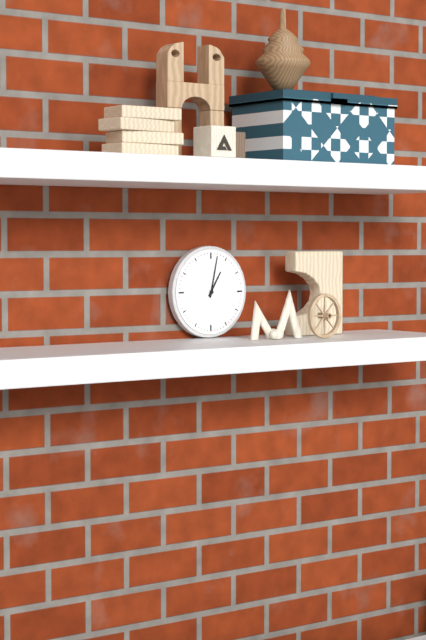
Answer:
1 h 02 min
